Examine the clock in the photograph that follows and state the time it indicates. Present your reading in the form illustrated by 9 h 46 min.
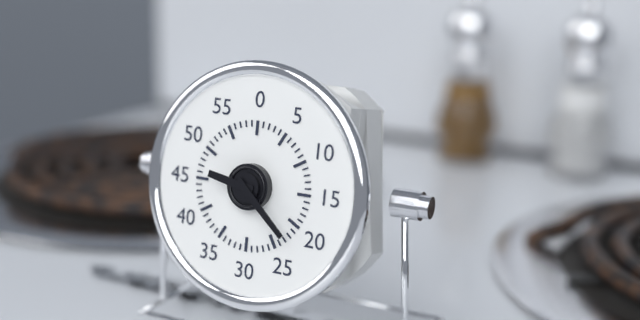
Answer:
9 h 22 min
